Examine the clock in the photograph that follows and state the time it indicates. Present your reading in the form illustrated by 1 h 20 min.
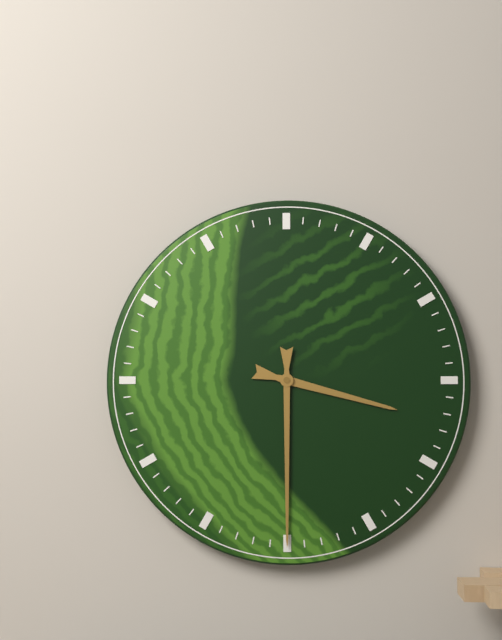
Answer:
3 h 30 min
